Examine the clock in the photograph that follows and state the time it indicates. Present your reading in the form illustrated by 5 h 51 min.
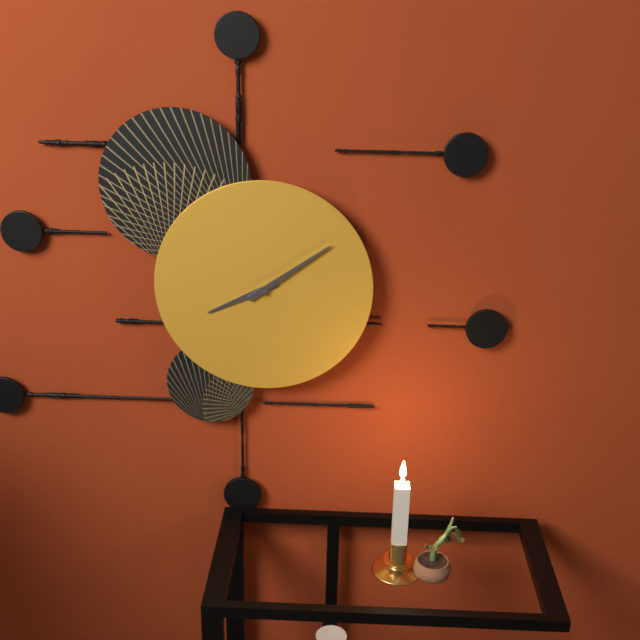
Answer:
8 h 09 min
